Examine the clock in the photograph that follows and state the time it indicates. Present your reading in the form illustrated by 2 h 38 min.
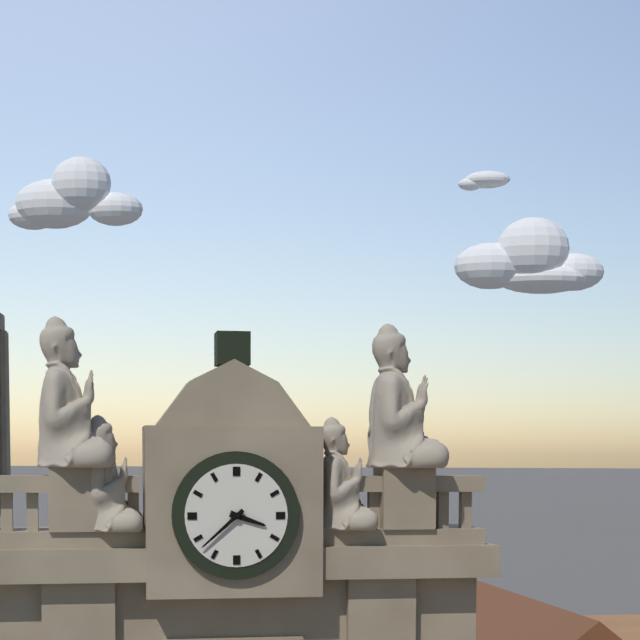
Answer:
3 h 38 min
